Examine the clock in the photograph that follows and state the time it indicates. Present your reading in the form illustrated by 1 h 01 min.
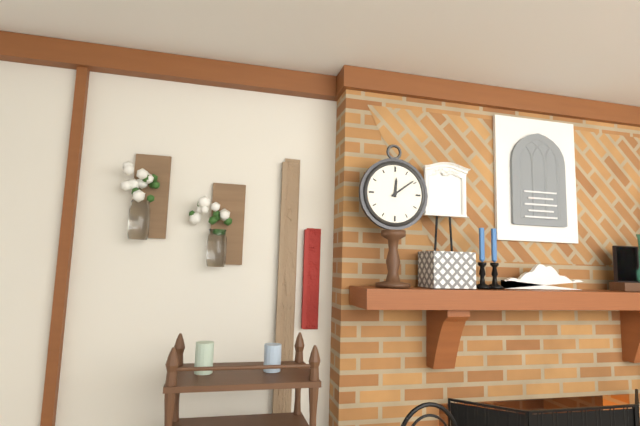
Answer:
12 h 09 min
